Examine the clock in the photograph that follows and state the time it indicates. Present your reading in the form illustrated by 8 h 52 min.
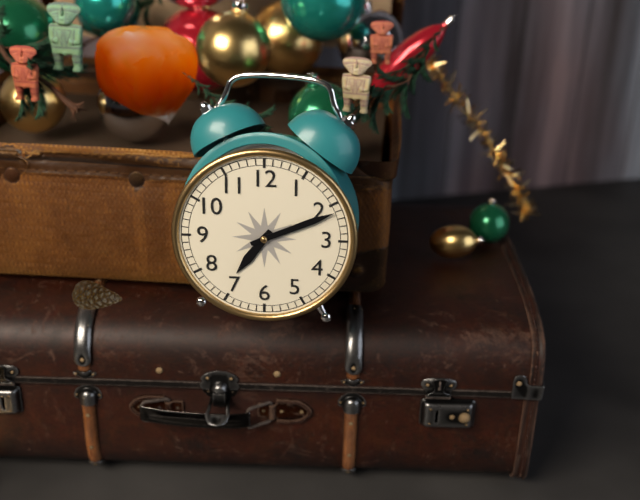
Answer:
7 h 11 min
